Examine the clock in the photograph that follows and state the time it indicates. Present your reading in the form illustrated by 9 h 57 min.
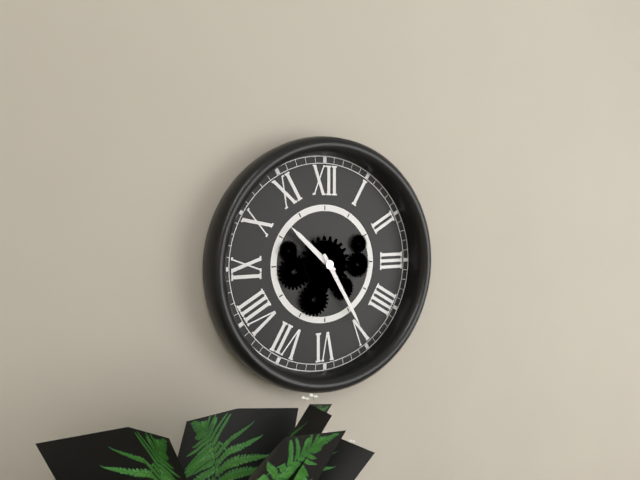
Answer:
10 h 25 min
